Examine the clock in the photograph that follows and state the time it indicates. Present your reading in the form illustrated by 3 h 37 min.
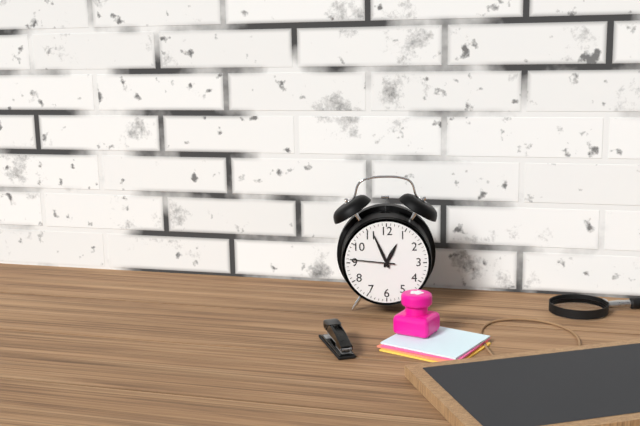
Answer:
12 h 56 min
